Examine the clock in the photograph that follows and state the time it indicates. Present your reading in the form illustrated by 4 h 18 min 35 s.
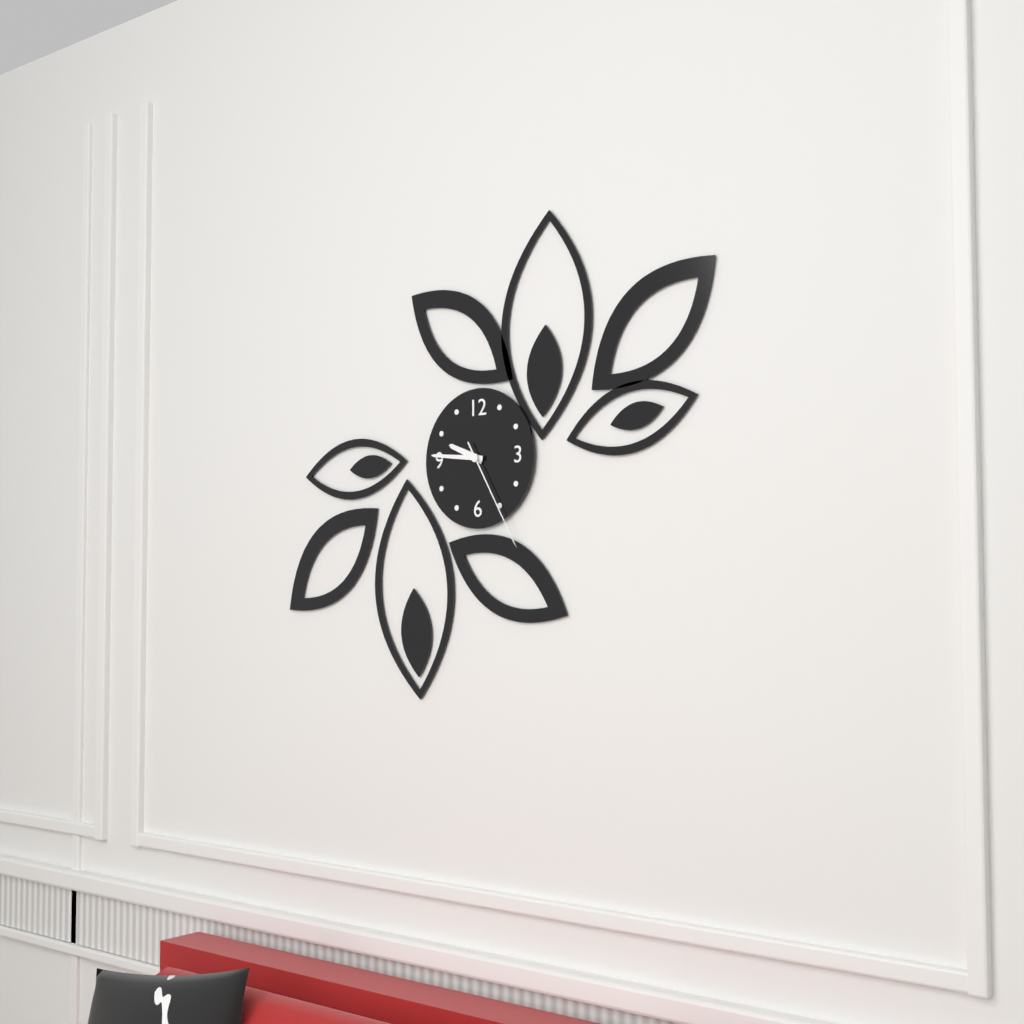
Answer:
9 h 46 min 25 s
